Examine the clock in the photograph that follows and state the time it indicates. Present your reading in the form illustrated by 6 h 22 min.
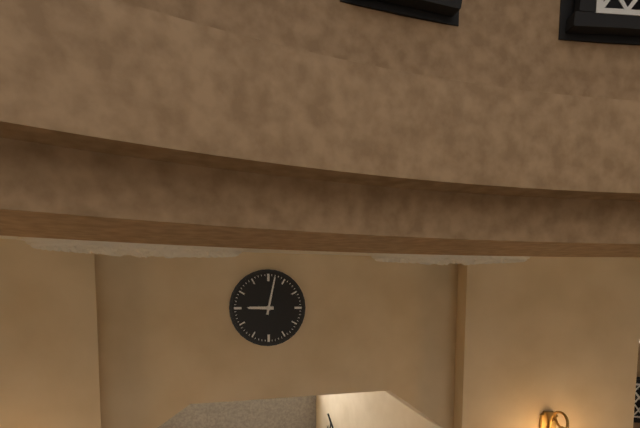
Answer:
9 h 02 min
